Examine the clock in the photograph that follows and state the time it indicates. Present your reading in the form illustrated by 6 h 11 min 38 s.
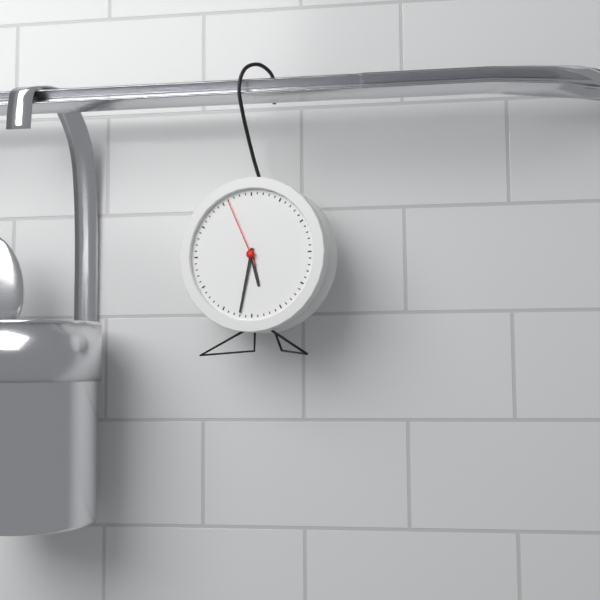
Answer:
5 h 32 min 56 s
